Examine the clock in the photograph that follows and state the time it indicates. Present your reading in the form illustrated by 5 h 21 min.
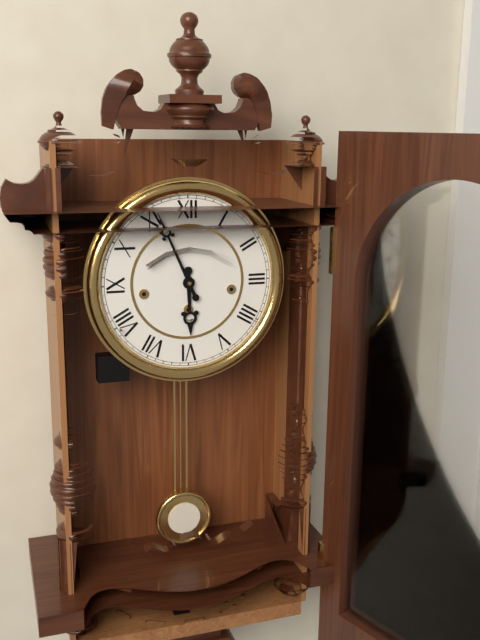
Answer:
5 h 56 min
